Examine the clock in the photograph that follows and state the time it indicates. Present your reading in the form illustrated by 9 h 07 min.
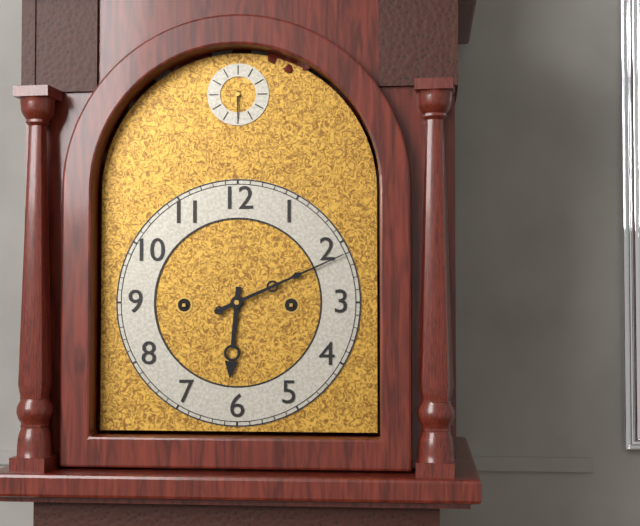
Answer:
6 h 11 min
